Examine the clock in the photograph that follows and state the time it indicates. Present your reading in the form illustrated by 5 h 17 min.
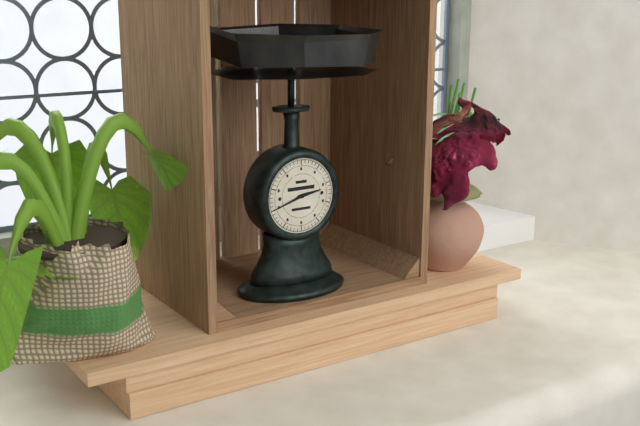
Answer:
2 h 42 min
